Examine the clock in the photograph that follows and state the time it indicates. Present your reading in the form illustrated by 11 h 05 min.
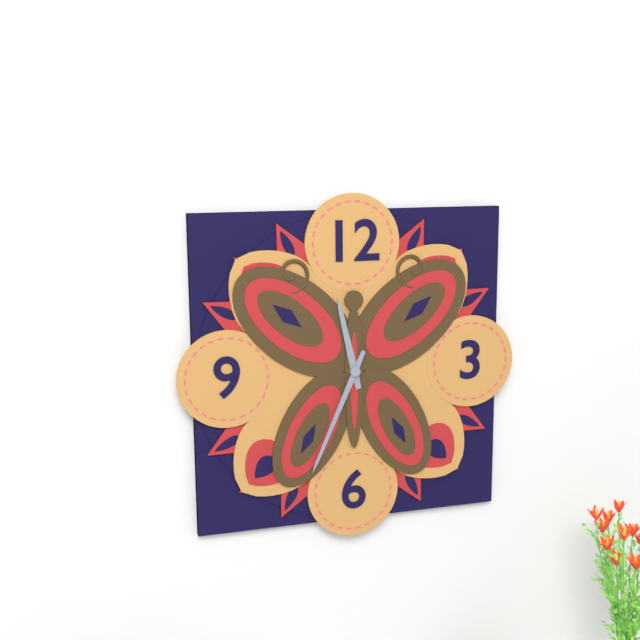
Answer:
11 h 34 min
